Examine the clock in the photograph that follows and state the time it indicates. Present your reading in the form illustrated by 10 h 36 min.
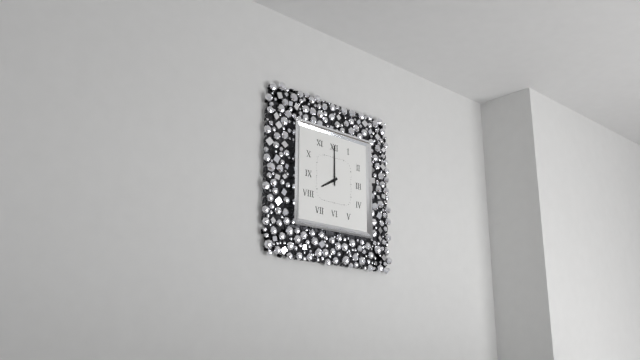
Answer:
8 h 00 min
